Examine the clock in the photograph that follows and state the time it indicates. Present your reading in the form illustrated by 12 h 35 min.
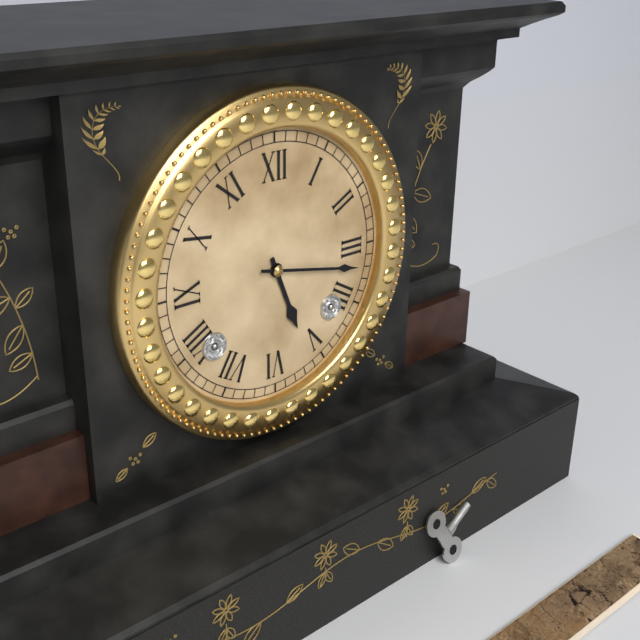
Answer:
5 h 17 min
